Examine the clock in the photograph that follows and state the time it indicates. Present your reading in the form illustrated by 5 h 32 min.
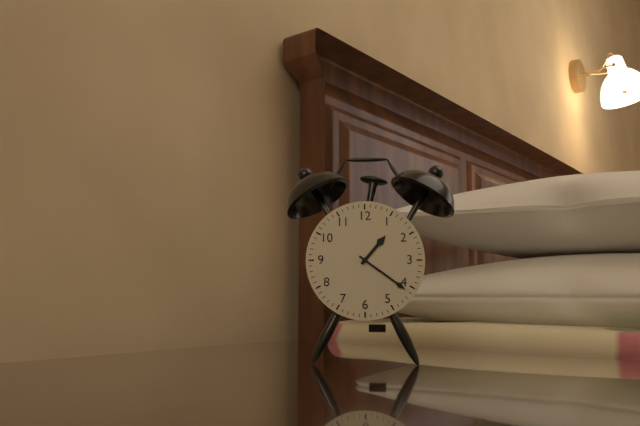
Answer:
1 h 21 min
